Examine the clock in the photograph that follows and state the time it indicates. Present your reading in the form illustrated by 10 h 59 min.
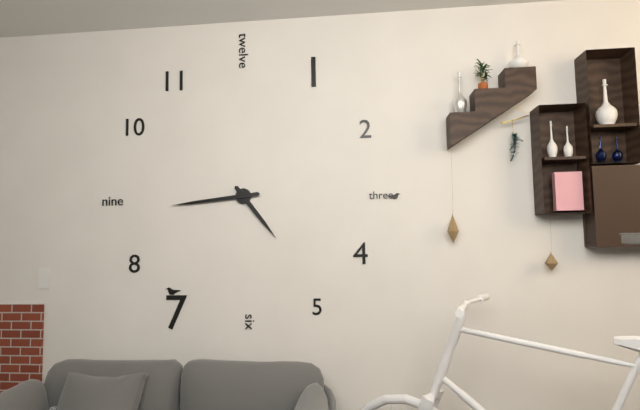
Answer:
4 h 44 min
